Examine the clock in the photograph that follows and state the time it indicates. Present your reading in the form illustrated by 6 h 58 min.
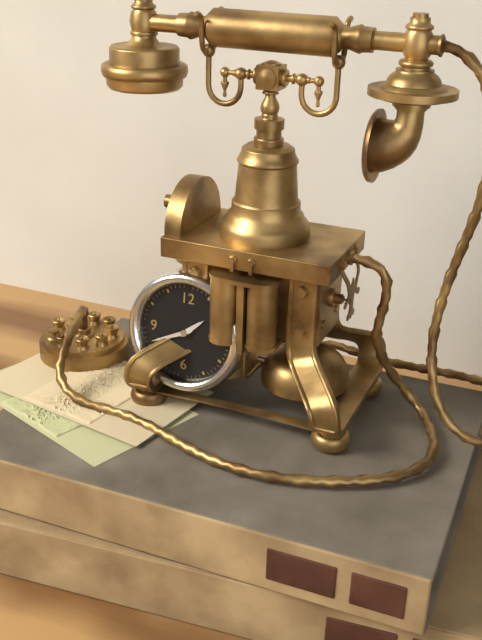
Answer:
1 h 41 min
